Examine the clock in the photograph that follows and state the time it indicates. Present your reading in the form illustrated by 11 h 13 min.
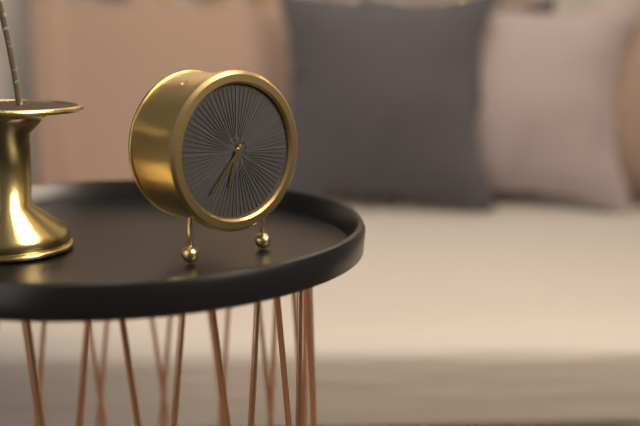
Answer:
6 h 37 min
